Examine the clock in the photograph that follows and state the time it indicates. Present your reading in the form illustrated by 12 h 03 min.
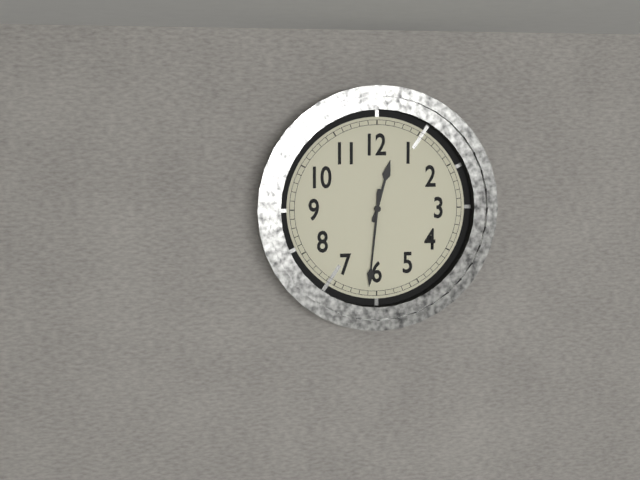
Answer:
12 h 31 min
